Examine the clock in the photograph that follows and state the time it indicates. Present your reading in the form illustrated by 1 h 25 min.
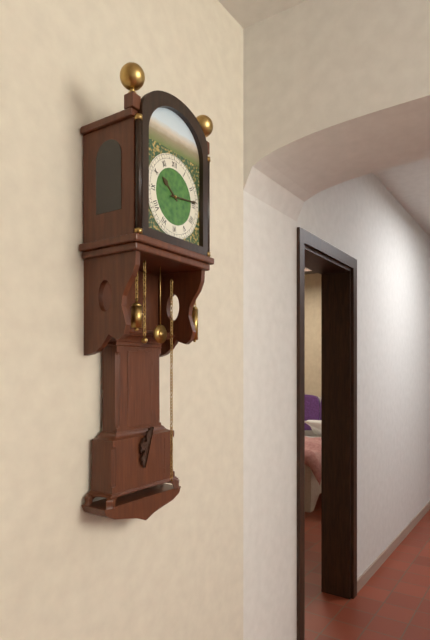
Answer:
10 h 14 min
